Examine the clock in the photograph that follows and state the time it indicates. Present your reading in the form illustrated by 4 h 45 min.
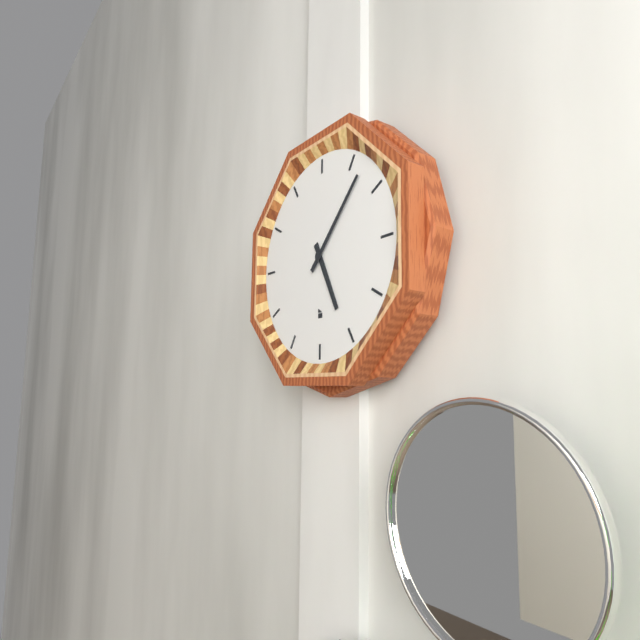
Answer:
5 h 07 min
